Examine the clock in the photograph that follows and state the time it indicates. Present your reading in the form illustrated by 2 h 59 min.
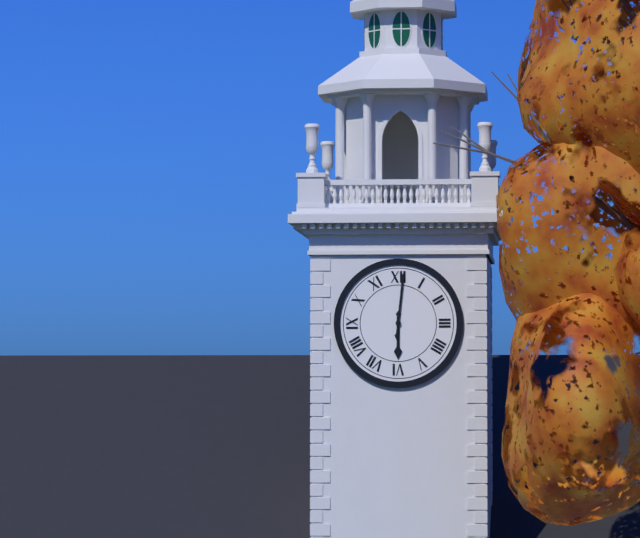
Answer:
6 h 01 min
